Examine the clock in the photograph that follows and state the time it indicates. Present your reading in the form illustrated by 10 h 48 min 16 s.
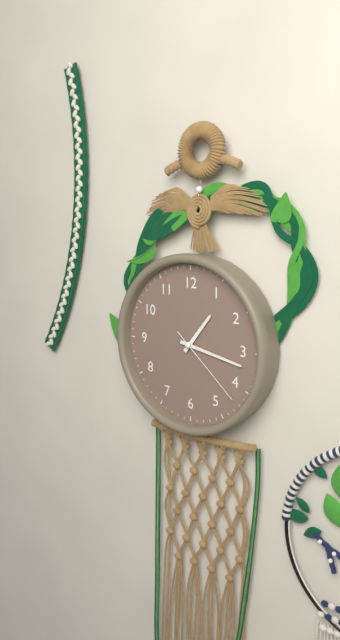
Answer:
1 h 17 min 22 s
